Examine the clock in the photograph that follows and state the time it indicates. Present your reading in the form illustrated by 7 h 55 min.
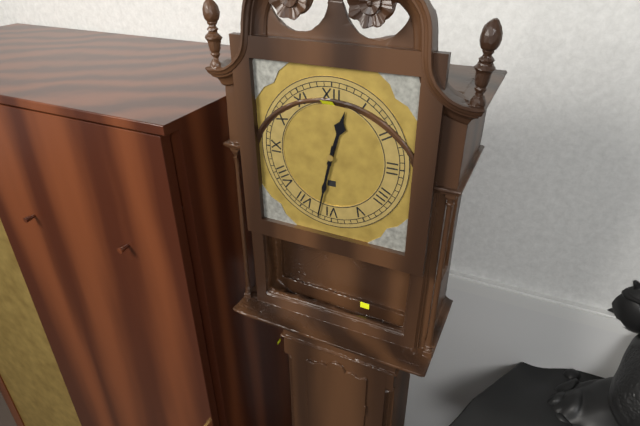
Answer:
12 h 32 min
